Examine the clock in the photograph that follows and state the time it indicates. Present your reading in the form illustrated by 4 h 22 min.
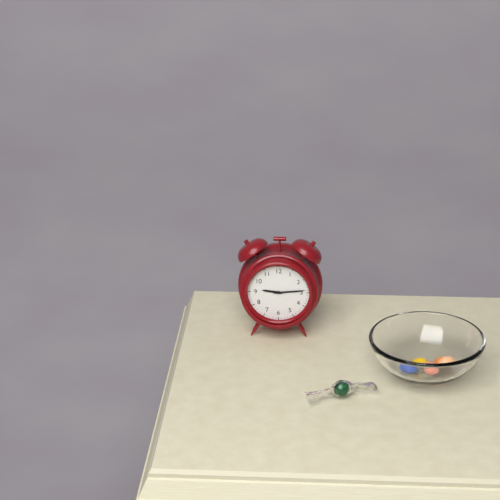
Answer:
9 h 14 min
